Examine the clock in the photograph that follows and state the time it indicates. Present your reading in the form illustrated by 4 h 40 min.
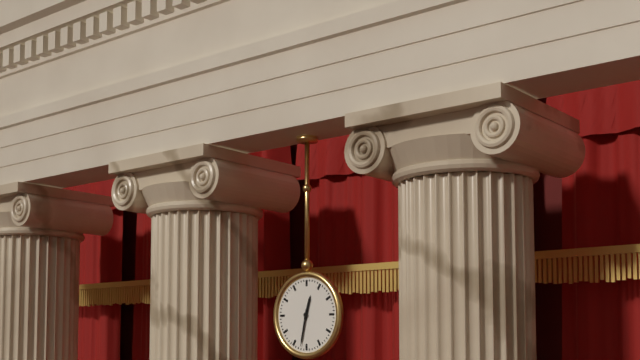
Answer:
12 h 32 min
